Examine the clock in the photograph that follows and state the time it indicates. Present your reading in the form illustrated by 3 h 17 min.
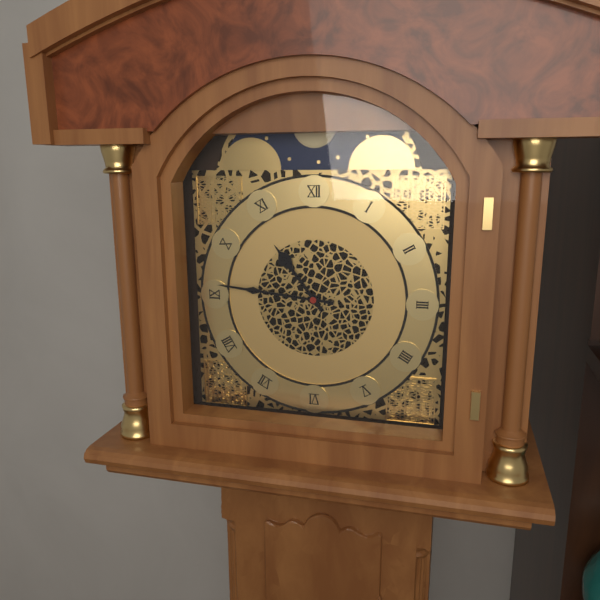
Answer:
10 h 46 min
